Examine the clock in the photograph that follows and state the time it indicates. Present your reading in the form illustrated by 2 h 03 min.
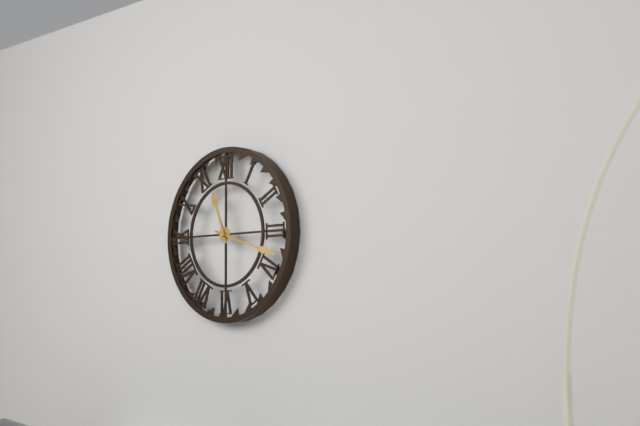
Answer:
11 h 18 min
